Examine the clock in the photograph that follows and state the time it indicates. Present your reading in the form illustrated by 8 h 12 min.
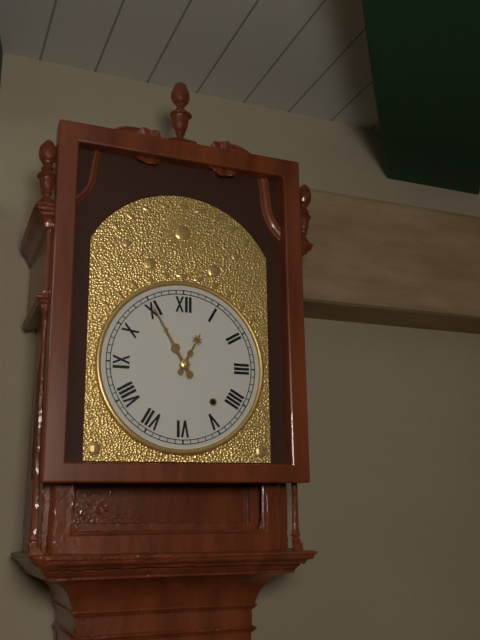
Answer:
12 h 55 min
